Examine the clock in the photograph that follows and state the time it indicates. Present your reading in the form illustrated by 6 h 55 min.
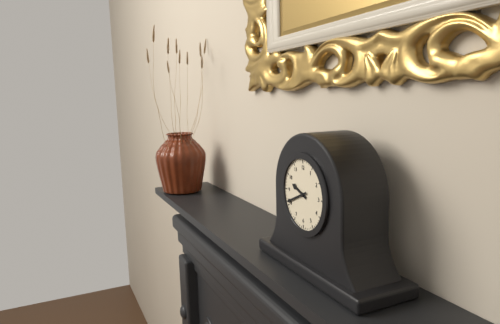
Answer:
9 h 41 min
